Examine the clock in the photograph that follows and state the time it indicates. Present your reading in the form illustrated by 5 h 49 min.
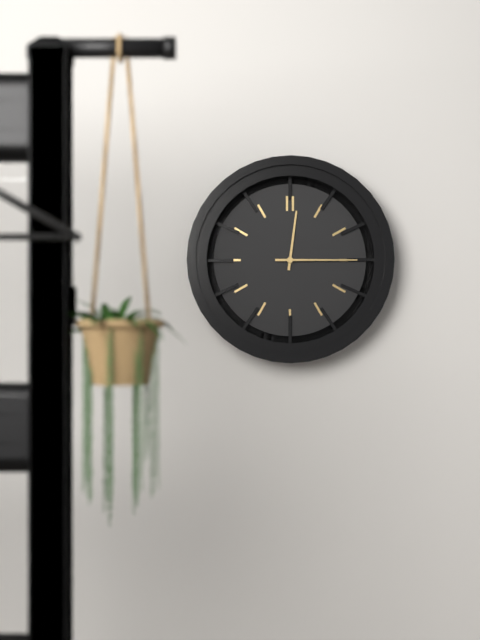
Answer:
12 h 15 min
